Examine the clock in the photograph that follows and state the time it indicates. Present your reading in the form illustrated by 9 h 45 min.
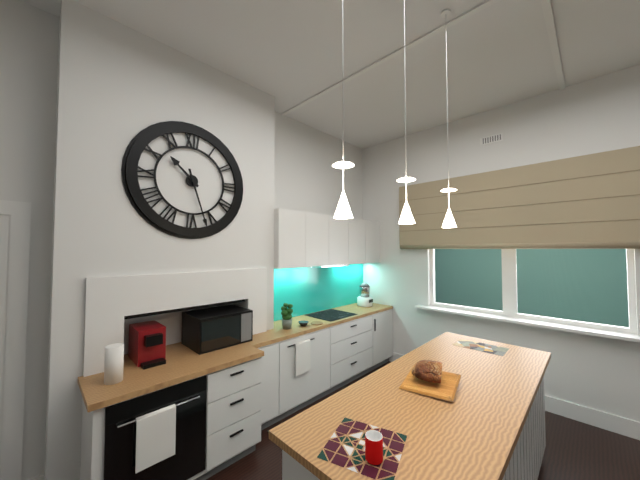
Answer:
10 h 27 min
